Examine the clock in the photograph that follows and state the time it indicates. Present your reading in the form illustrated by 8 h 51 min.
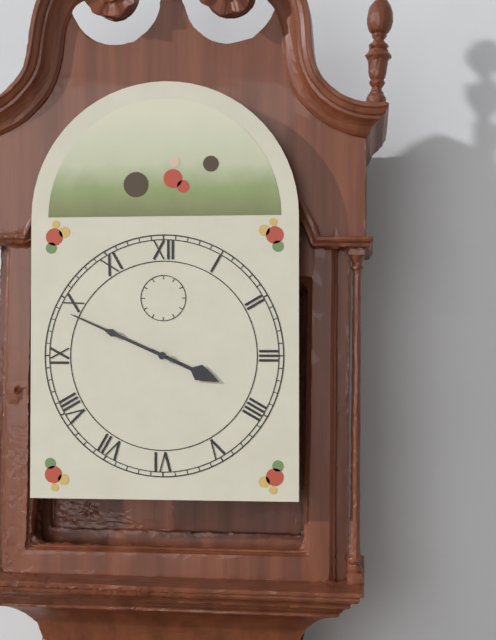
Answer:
3 h 49 min
